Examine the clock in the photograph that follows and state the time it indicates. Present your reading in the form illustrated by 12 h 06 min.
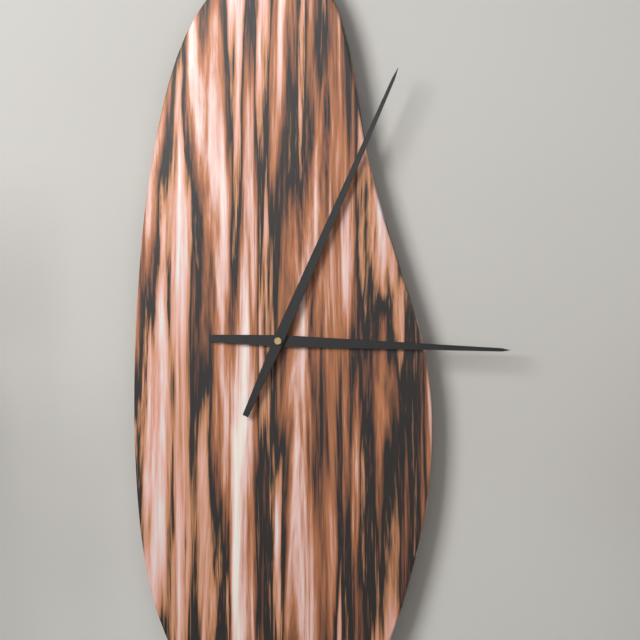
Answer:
3 h 04 min
